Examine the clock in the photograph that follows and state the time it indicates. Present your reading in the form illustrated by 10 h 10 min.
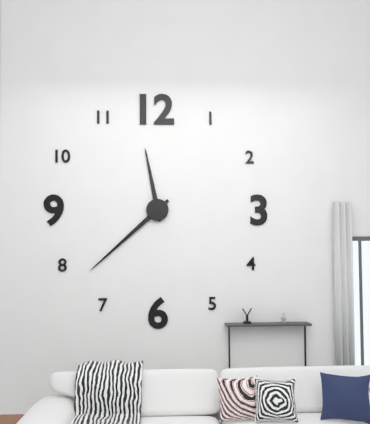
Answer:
11 h 38 min
